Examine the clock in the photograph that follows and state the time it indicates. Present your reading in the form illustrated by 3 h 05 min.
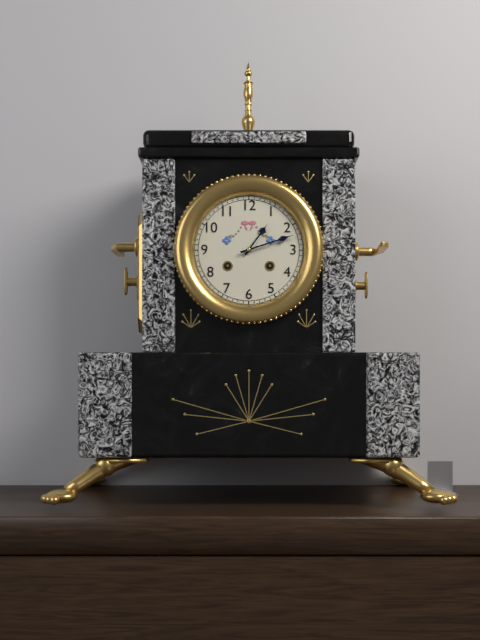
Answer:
1 h 12 min
